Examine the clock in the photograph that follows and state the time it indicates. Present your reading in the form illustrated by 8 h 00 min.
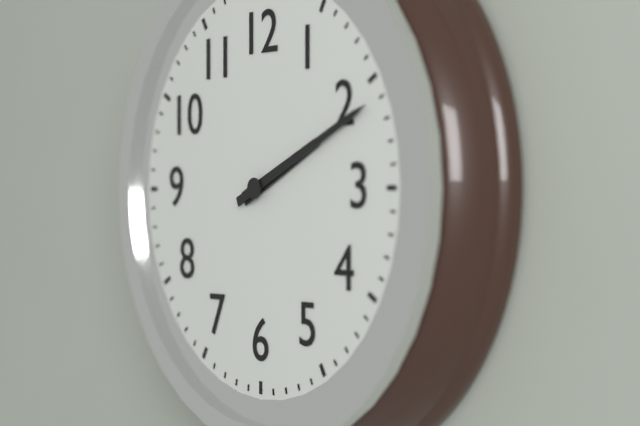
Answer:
2 h 11 min
